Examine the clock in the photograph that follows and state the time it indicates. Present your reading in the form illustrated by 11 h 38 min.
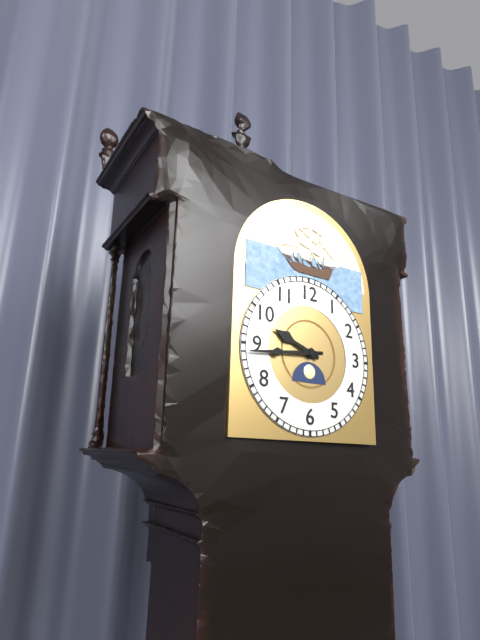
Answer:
9 h 44 min
